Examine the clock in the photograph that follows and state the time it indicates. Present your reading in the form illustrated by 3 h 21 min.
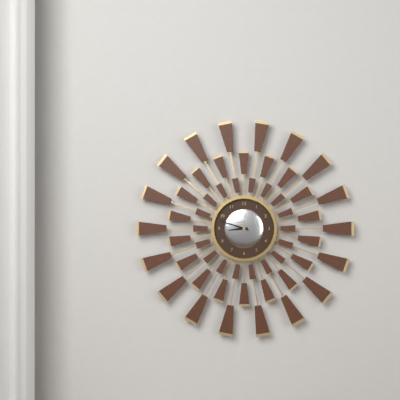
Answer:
8 h 48 min
